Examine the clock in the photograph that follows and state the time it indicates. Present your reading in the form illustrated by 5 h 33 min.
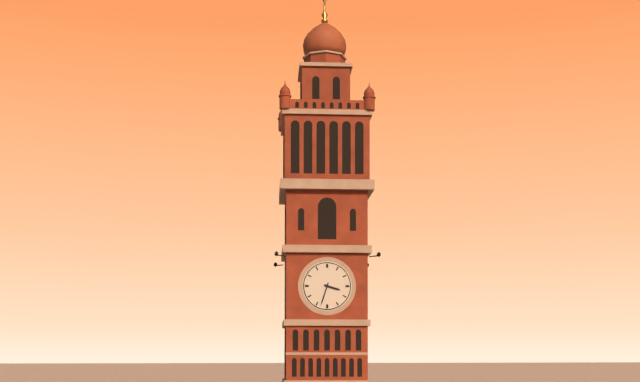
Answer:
3 h 33 min
